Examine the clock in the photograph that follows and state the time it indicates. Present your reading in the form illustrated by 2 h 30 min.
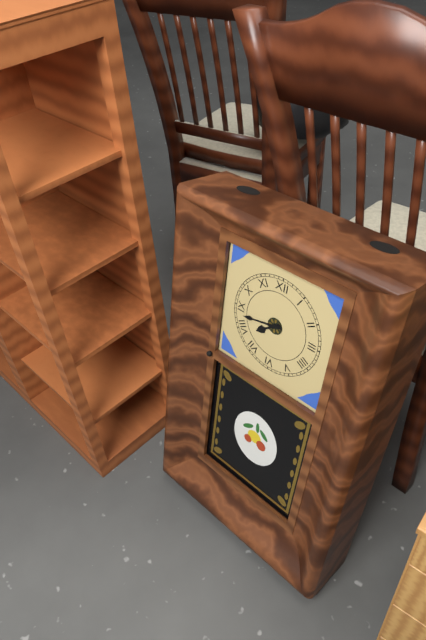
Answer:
7 h 43 min
